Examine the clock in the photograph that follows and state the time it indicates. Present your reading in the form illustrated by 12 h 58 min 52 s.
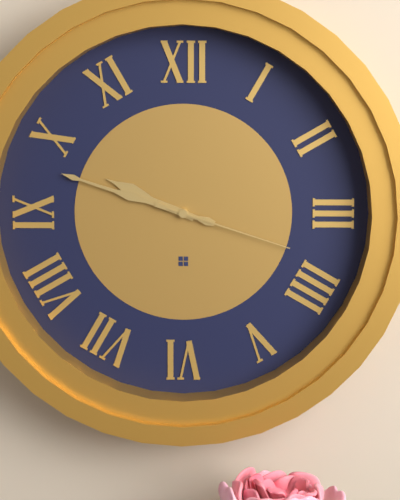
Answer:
9 h 48 min 18 s
